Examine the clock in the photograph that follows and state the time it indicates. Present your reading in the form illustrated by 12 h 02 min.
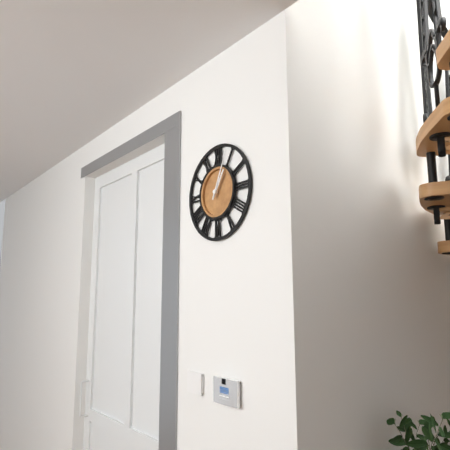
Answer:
1 h 04 min
